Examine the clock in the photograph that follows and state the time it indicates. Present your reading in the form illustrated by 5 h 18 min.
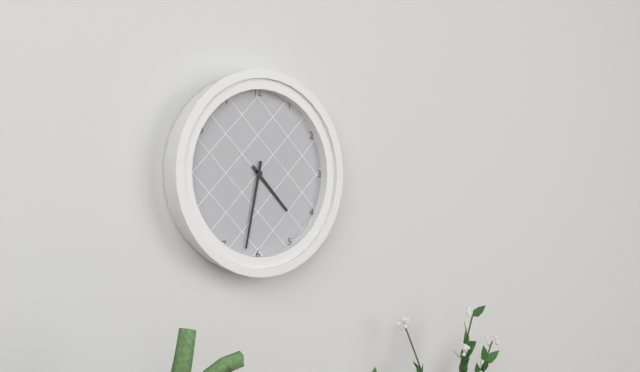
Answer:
4 h 32 min
